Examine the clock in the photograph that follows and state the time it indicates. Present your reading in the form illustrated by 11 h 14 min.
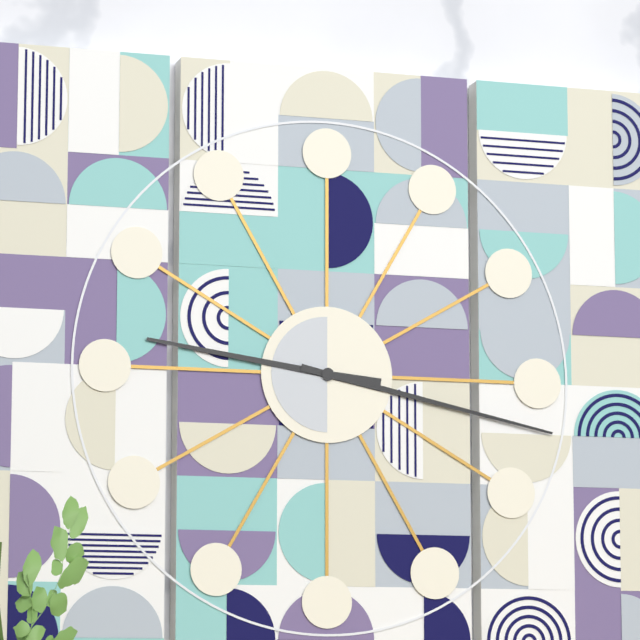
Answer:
9 h 17 min
